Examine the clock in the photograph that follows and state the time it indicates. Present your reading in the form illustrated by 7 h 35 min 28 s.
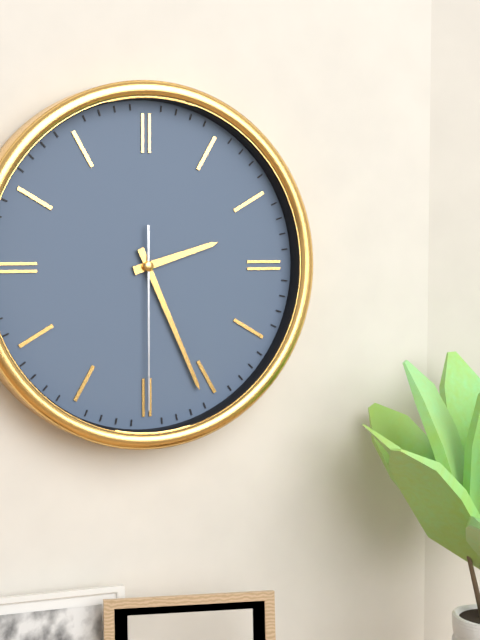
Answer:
2 h 26 min 30 s
